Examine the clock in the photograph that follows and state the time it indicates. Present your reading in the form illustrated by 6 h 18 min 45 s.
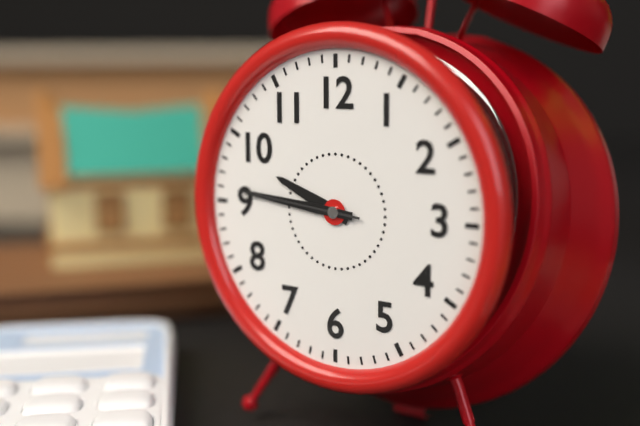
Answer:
9 h 46 min 46 s
